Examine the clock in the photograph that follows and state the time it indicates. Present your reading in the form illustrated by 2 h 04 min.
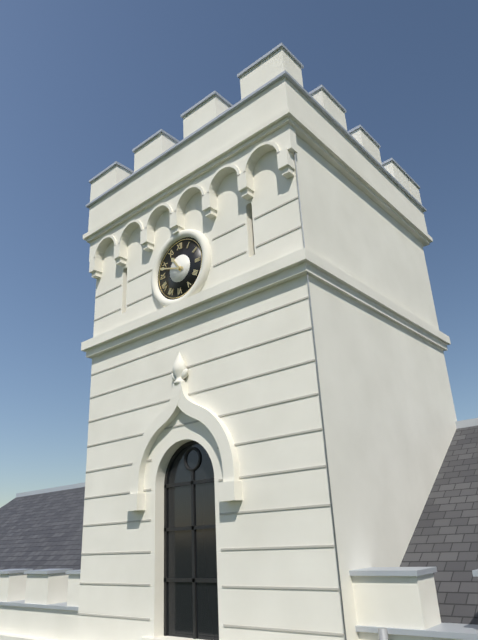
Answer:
10 h 48 min
